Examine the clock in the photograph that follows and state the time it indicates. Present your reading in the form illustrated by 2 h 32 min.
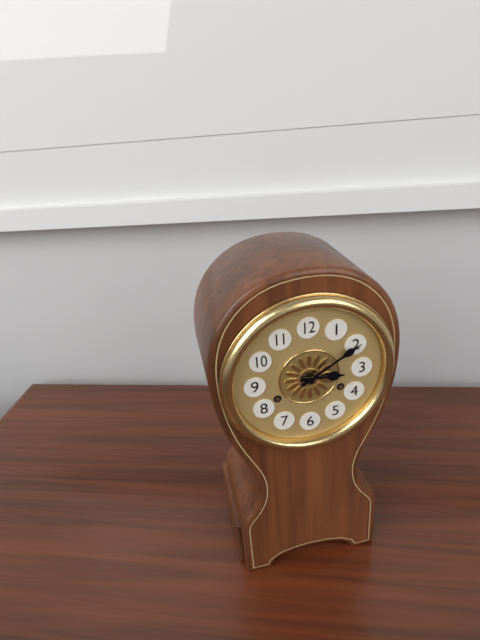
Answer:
3 h 10 min
